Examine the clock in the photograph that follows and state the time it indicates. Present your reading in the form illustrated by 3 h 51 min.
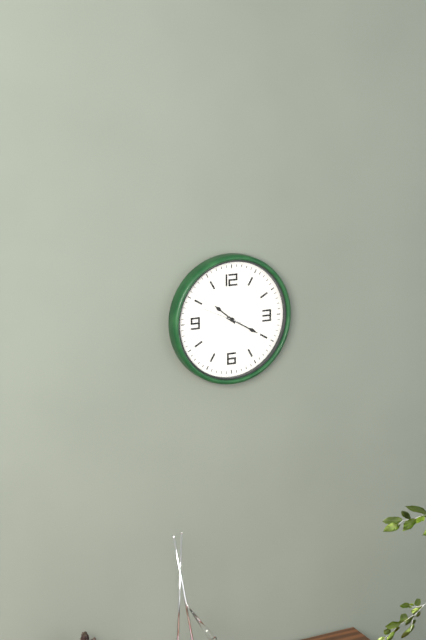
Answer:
10 h 20 min
